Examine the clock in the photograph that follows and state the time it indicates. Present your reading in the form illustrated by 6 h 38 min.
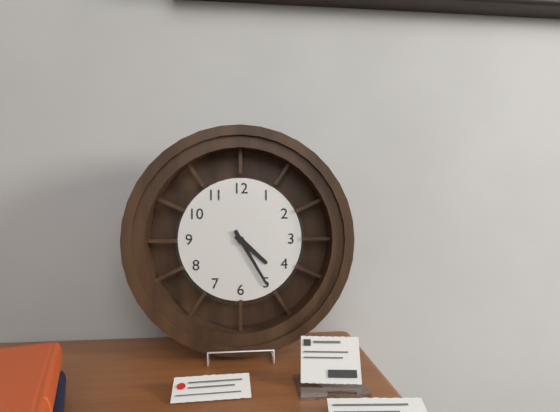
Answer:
4 h 25 min
